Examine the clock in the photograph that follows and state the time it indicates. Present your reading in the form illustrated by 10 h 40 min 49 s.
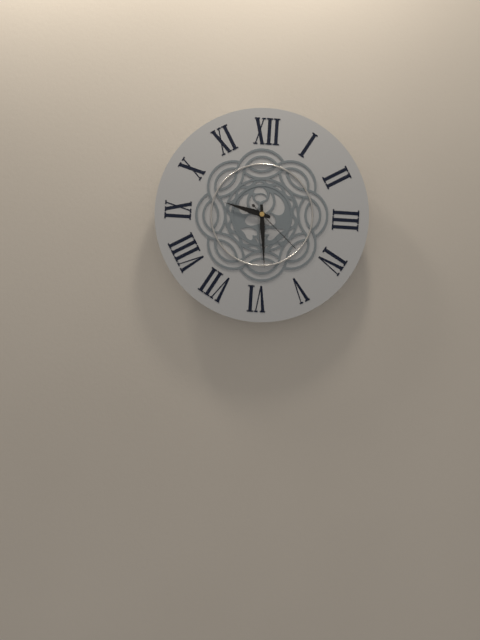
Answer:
9 h 29 min 22 s
